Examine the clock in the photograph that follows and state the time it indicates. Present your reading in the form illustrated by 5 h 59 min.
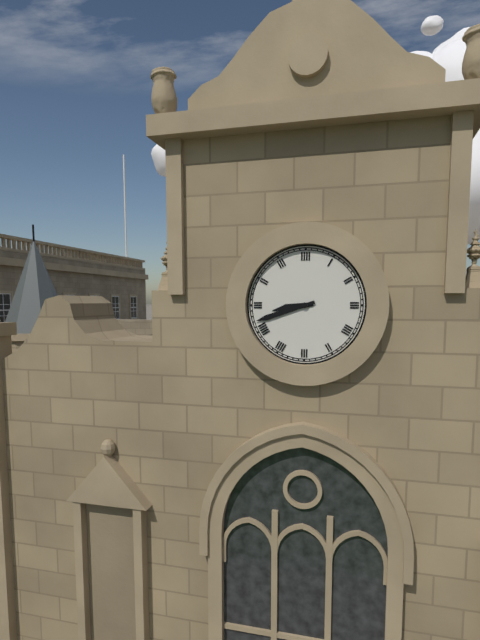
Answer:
8 h 42 min
